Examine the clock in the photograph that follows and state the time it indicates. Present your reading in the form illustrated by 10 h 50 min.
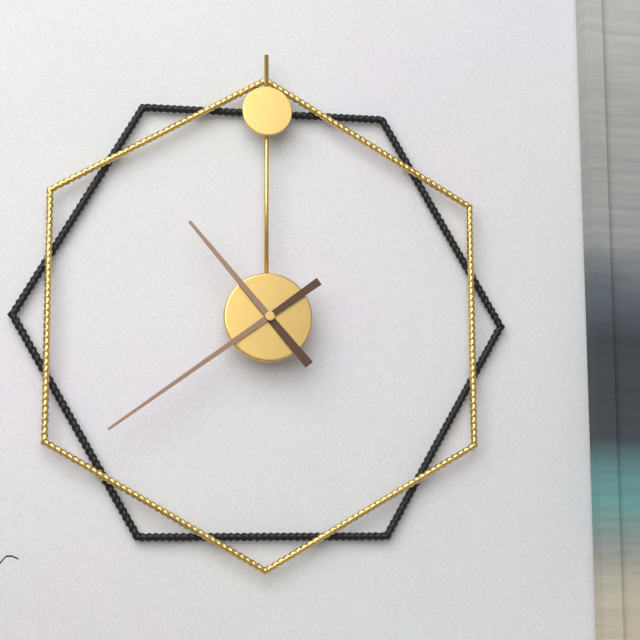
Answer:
10 h 39 min
